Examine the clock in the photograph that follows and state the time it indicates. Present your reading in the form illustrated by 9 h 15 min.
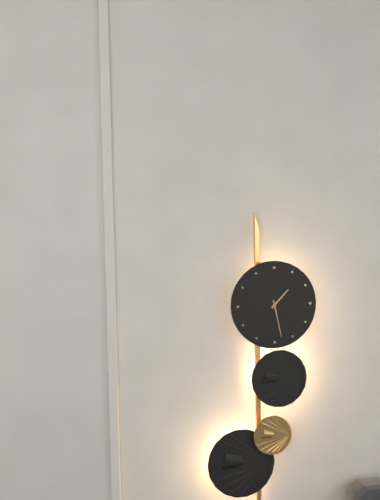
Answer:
1 h 28 min
